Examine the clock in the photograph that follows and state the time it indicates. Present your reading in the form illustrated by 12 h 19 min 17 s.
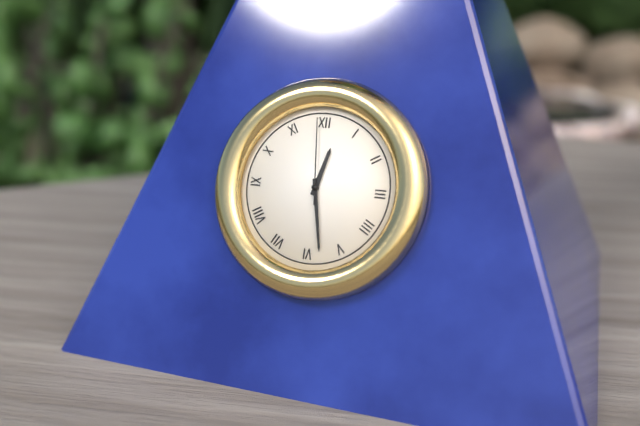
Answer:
12 h 28 min 59 s
